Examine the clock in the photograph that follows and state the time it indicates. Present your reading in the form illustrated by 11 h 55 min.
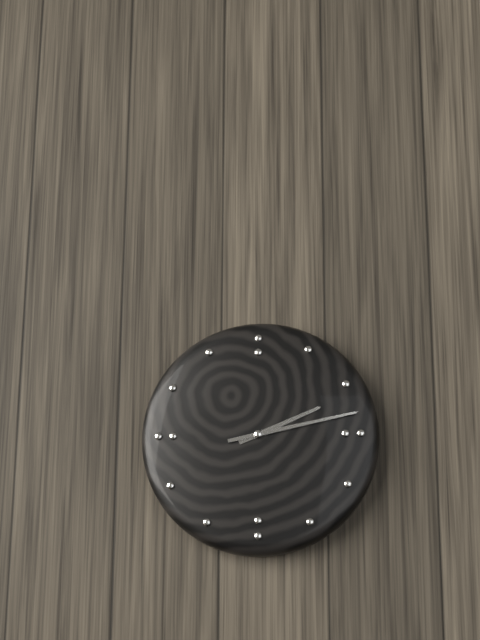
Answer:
2 h 13 min
